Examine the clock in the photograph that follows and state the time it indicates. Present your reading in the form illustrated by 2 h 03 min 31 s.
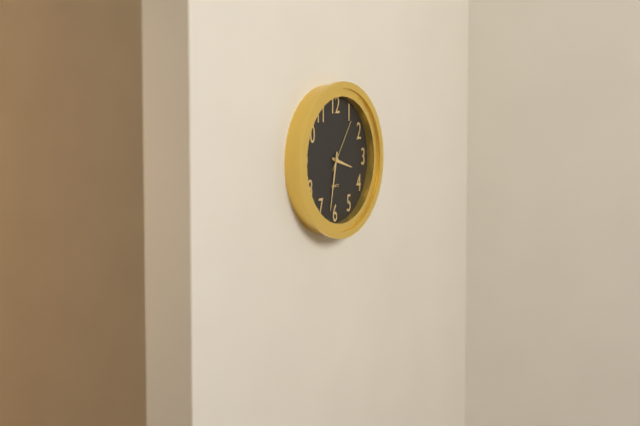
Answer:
3 h 32 min 06 s
